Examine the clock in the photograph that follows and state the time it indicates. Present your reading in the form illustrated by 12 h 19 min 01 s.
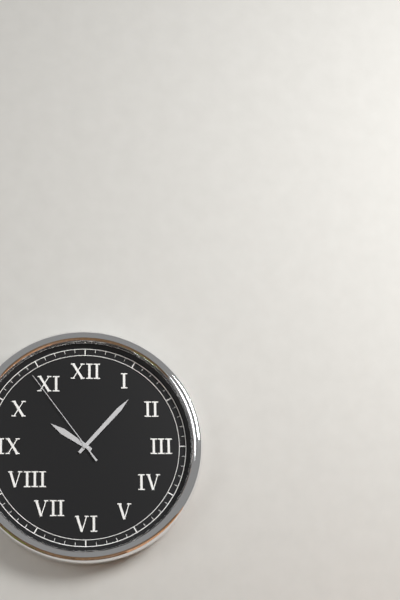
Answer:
10 h 07 min 54 s
